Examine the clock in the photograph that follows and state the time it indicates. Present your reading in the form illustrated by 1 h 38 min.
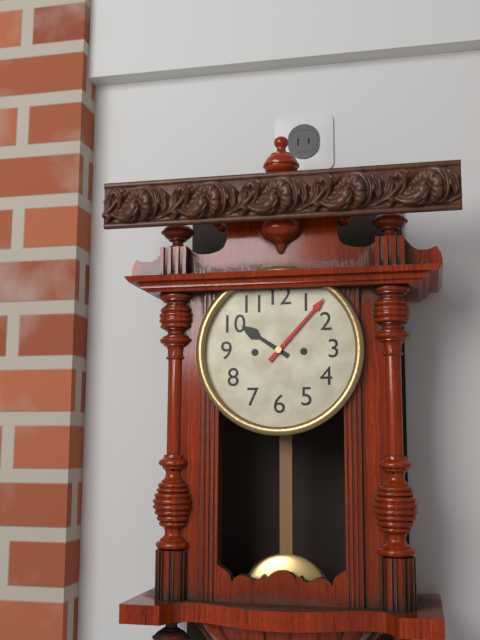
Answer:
10 h 07 min
